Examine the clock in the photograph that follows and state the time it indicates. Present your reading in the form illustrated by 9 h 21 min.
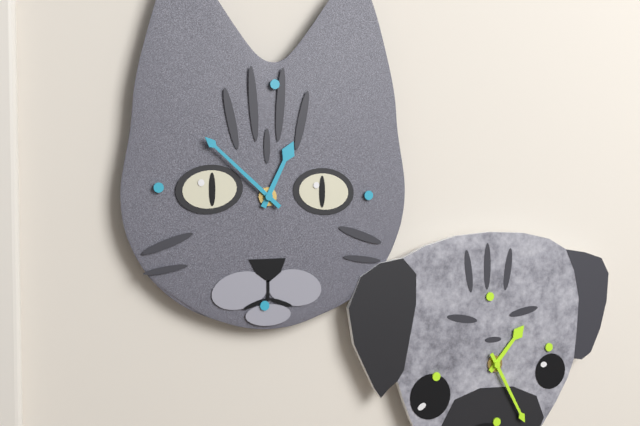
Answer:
12 h 52 min
